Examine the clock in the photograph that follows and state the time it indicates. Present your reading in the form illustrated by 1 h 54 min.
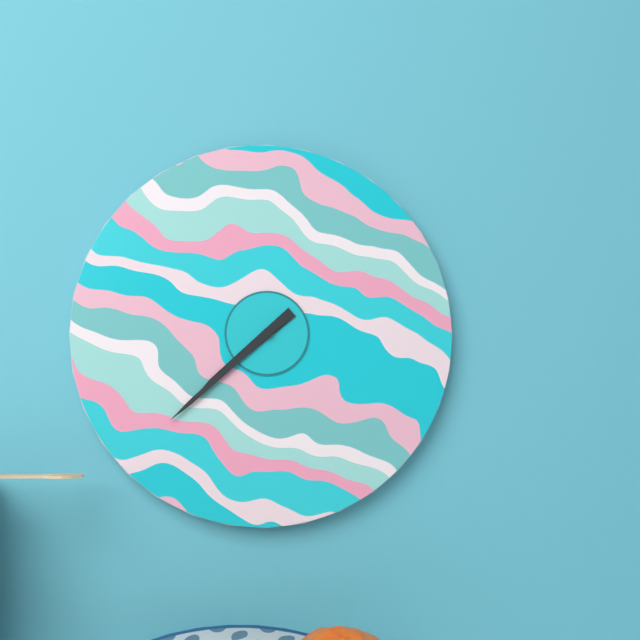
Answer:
7 h 38 min
